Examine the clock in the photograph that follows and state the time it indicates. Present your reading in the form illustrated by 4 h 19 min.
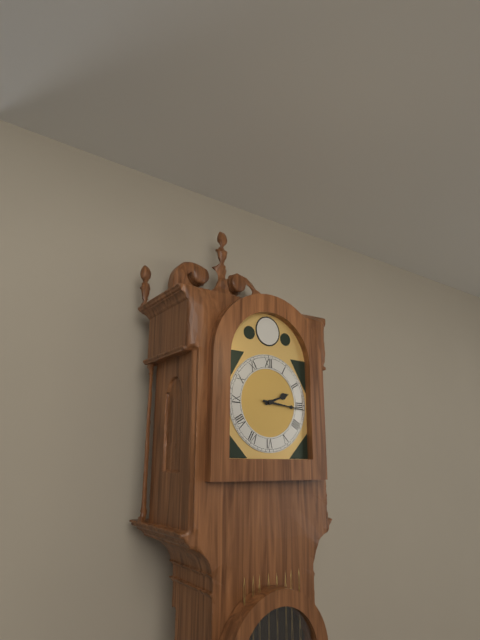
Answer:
2 h 16 min
